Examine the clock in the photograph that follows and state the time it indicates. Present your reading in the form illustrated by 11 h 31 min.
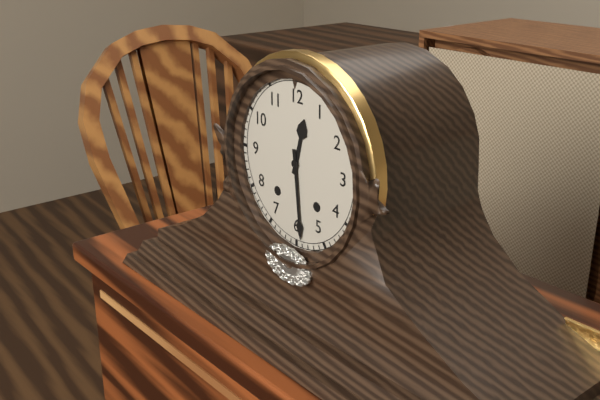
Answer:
12 h 29 min
